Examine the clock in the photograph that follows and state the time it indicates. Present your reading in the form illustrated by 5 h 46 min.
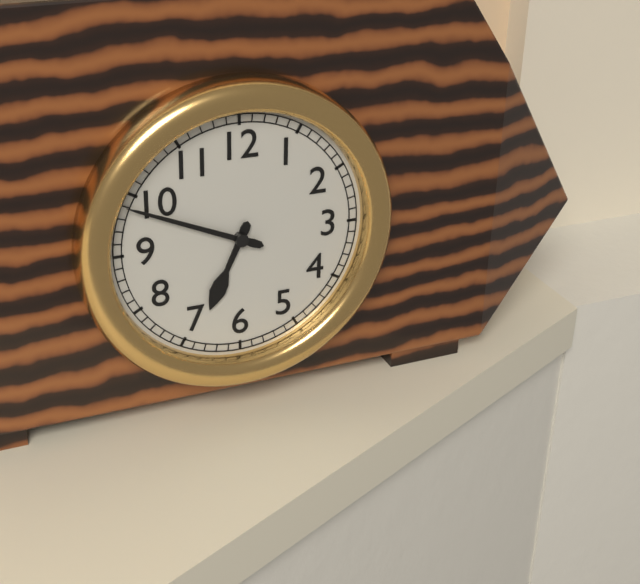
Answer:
6 h 49 min
